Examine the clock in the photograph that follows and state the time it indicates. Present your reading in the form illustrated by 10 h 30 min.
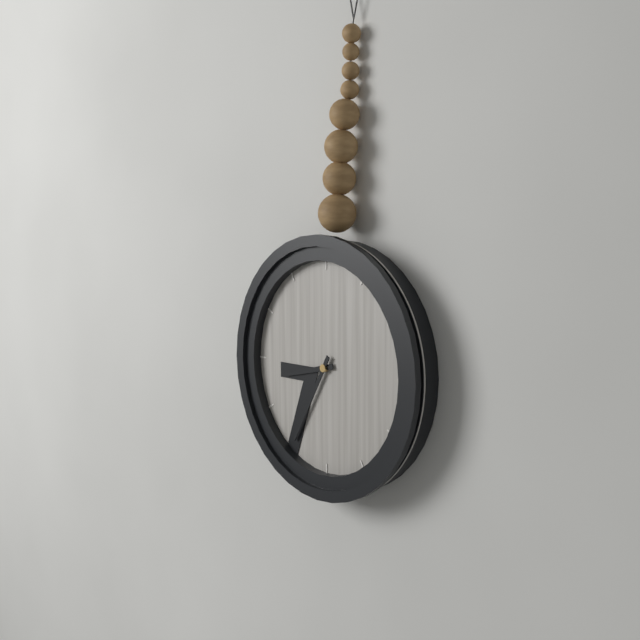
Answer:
8 h 35 min
